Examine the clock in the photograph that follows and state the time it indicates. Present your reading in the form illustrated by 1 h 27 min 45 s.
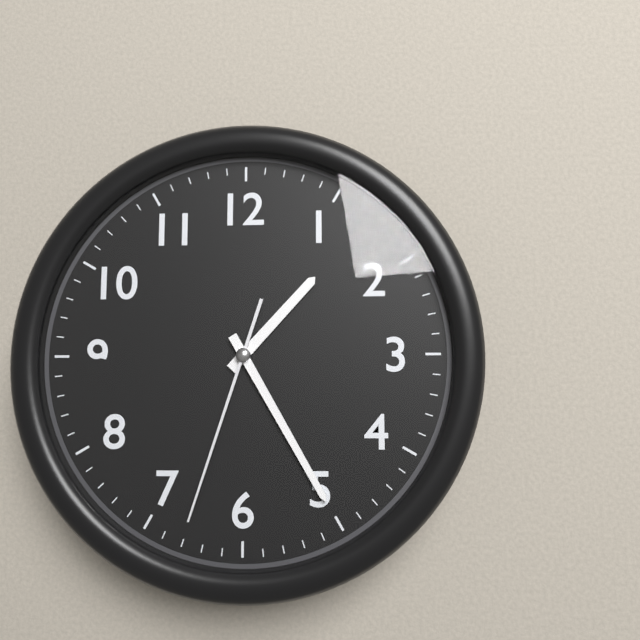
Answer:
1 h 25 min 33 s
